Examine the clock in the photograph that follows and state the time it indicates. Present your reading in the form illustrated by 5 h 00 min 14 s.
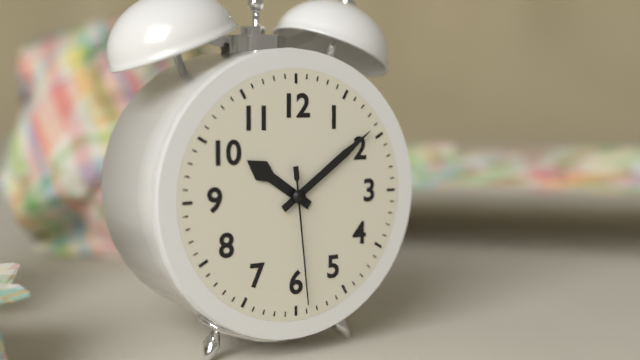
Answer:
10 h 09 min 29 s
